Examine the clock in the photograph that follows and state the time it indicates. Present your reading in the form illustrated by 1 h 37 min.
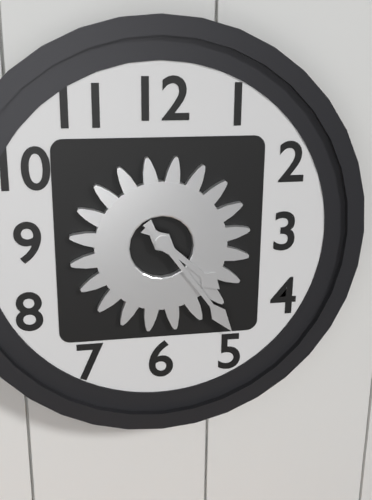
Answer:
4 h 24 min
